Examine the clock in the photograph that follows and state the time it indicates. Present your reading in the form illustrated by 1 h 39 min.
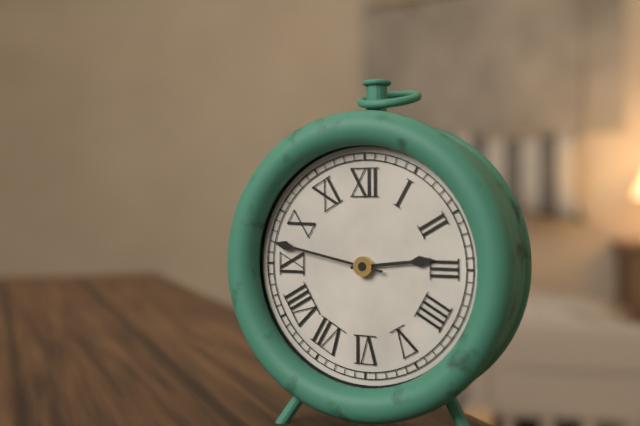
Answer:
2 h 47 min
